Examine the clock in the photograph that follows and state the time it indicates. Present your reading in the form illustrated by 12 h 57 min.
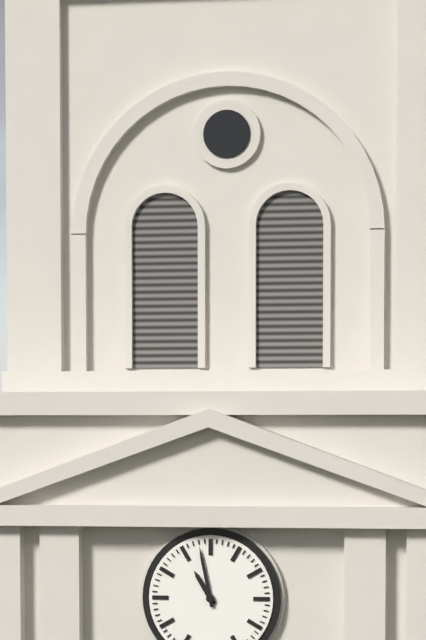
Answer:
10 h 58 min
